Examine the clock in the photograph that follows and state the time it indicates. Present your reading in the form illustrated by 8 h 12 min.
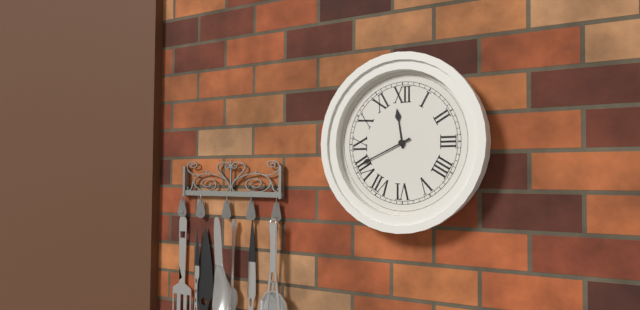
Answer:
11 h 41 min
